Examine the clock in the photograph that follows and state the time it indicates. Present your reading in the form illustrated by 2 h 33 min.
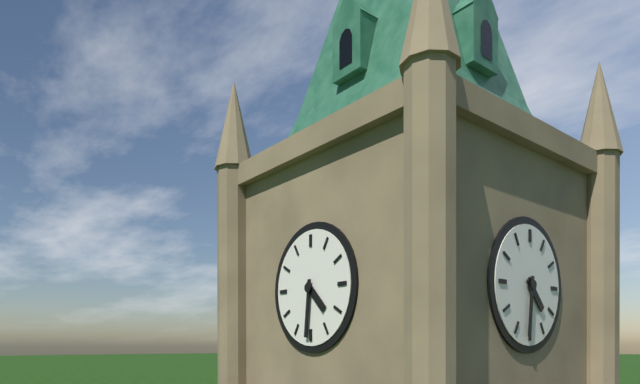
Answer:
4 h 31 min
